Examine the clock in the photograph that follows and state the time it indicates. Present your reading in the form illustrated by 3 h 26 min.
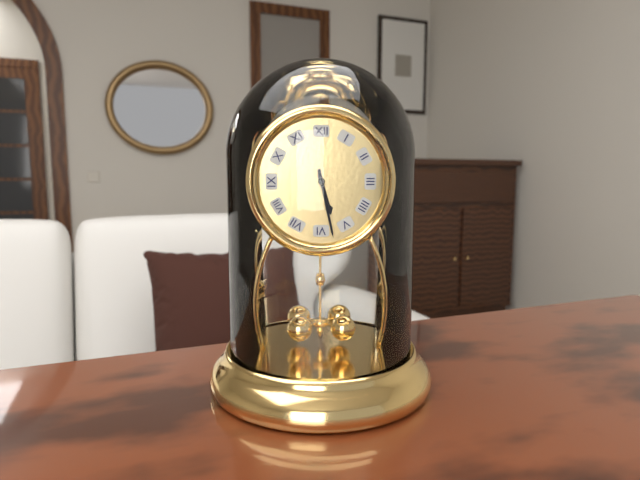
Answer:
5 h 28 min
